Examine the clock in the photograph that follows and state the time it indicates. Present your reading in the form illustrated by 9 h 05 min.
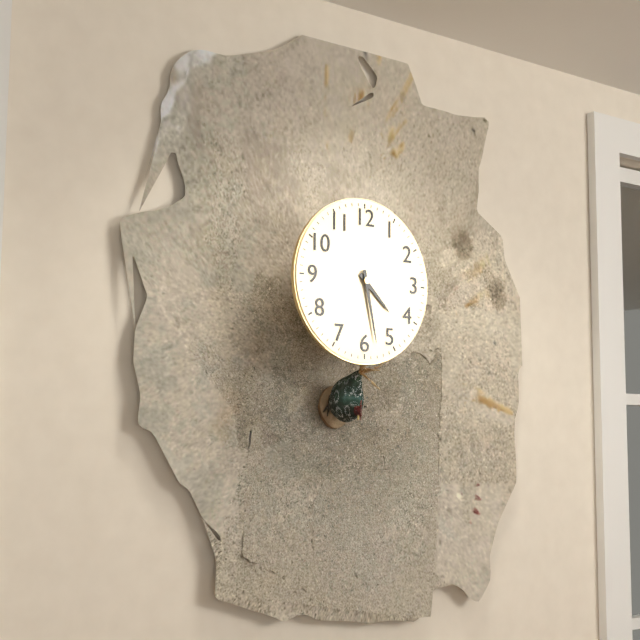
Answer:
4 h 28 min
